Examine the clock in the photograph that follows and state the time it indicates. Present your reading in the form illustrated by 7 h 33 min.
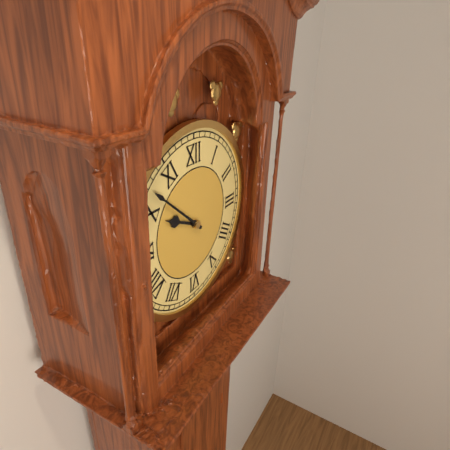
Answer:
9 h 52 min
